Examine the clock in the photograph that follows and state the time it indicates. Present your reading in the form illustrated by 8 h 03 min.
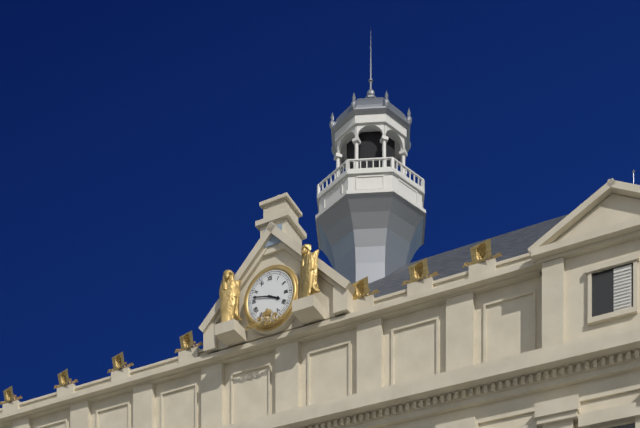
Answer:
3 h 47 min
